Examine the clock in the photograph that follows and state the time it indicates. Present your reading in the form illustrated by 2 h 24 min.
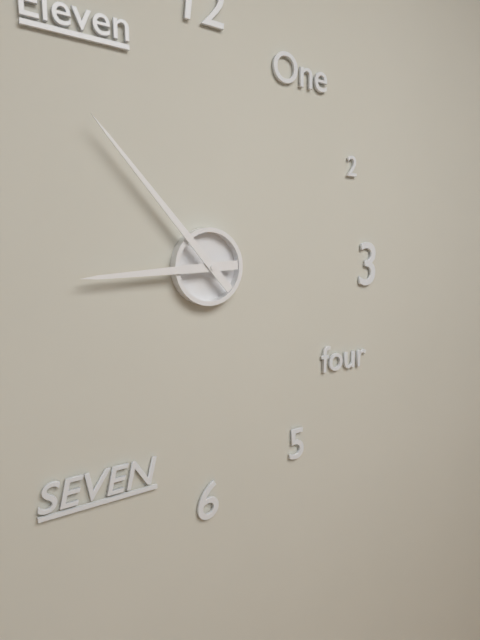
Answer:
8 h 53 min
